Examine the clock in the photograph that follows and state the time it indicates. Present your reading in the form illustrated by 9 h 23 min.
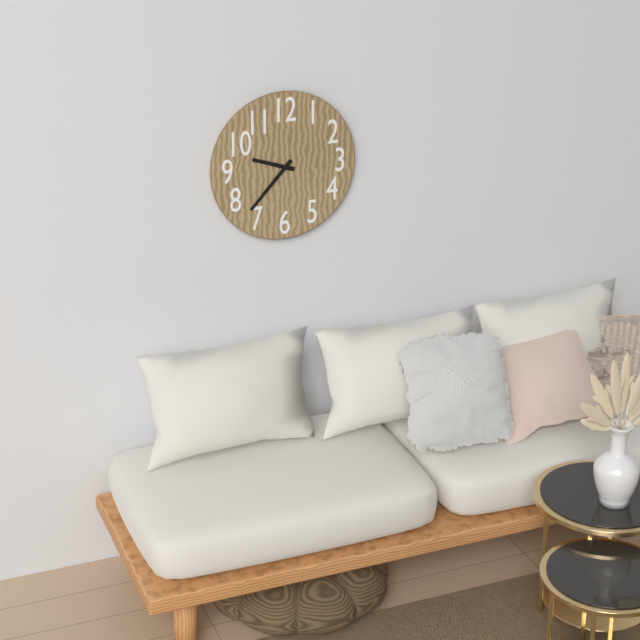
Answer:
9 h 37 min
